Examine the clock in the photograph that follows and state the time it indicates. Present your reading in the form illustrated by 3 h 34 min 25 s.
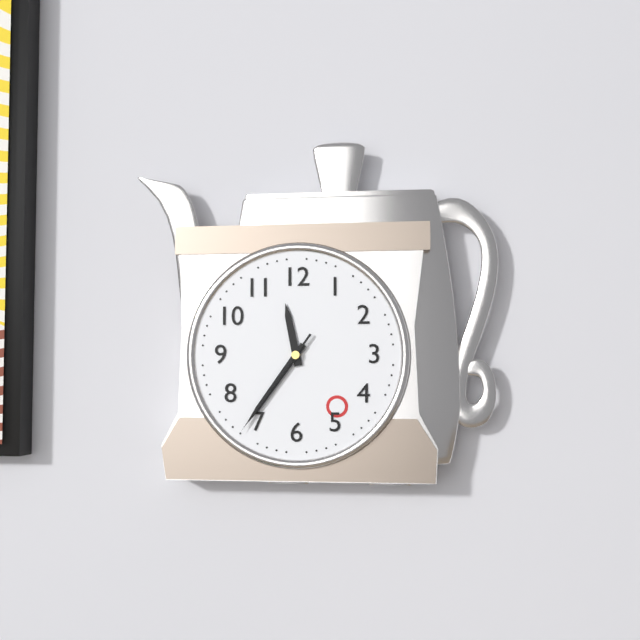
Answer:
11 h 36 min 36 s
